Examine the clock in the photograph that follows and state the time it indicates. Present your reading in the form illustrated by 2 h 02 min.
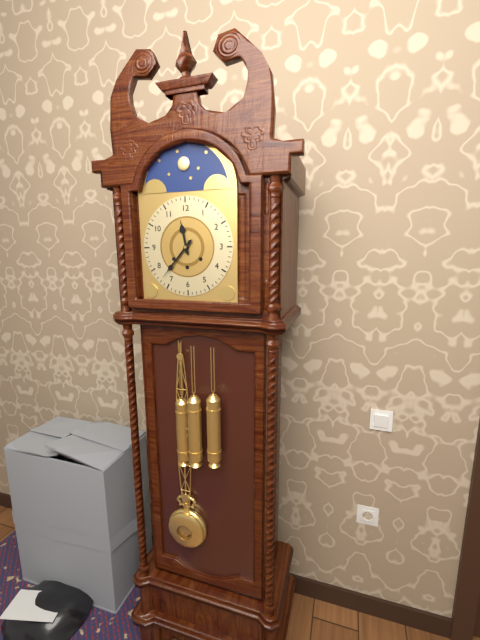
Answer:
11 h 37 min
